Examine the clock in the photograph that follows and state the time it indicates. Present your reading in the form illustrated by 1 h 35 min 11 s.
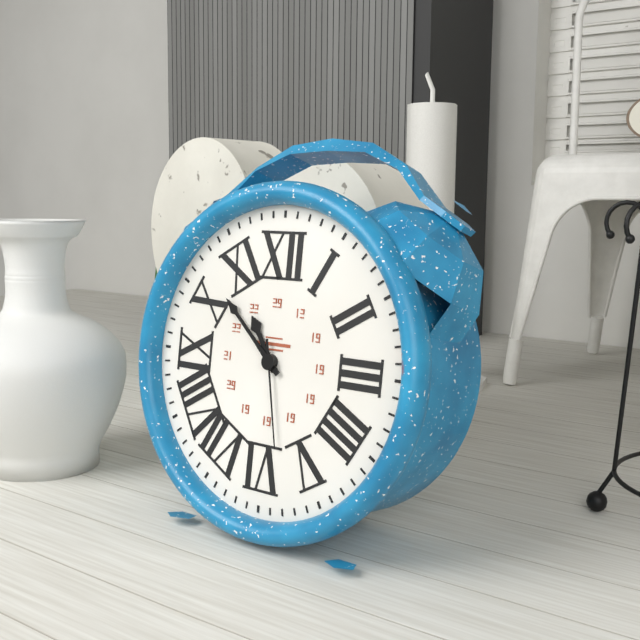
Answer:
10 h 52 min 28 s
